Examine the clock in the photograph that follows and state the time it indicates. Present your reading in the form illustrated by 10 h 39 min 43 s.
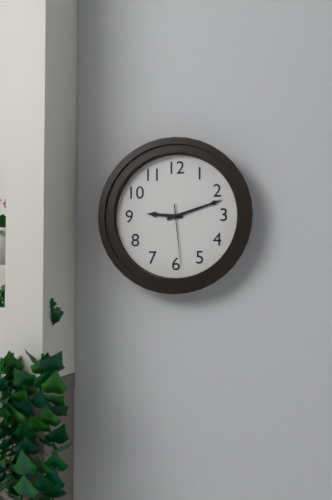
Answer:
9 h 12 min 29 s
